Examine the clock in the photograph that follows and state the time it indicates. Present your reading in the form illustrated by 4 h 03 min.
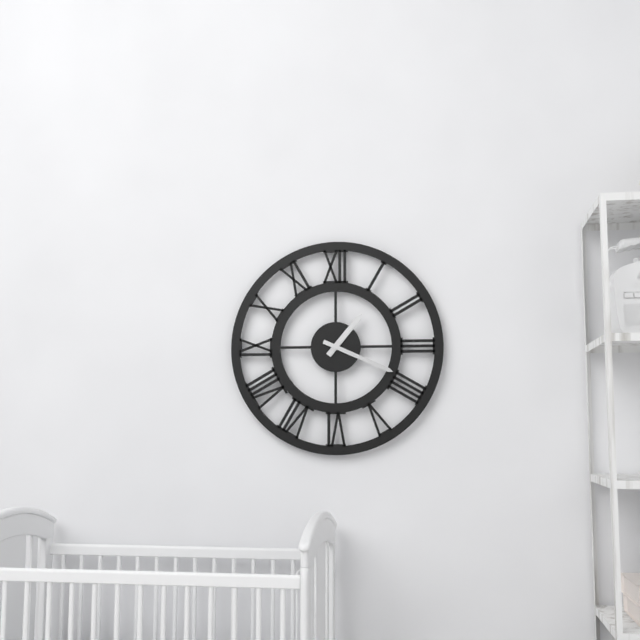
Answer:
1 h 19 min
